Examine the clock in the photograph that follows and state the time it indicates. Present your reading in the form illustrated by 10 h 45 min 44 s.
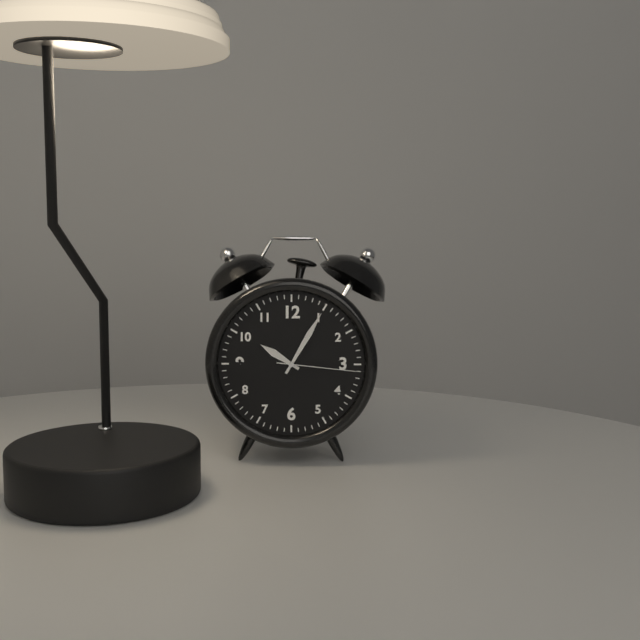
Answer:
10 h 05 min 16 s
